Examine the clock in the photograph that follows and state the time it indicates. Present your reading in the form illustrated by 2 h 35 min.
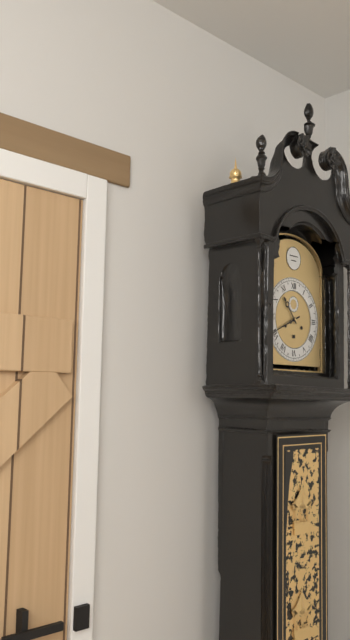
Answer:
10 h 41 min
